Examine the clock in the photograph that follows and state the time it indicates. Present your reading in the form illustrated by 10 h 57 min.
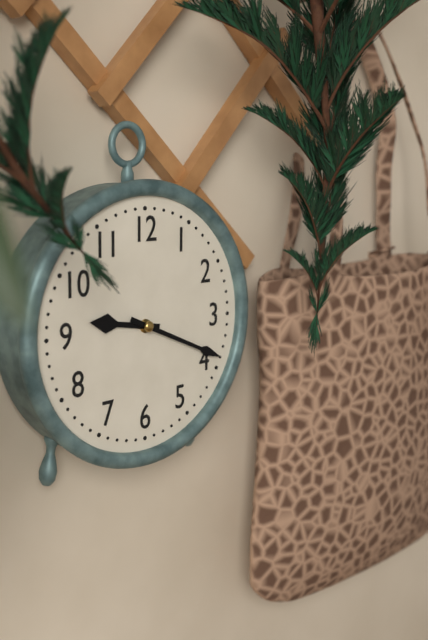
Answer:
9 h 19 min
